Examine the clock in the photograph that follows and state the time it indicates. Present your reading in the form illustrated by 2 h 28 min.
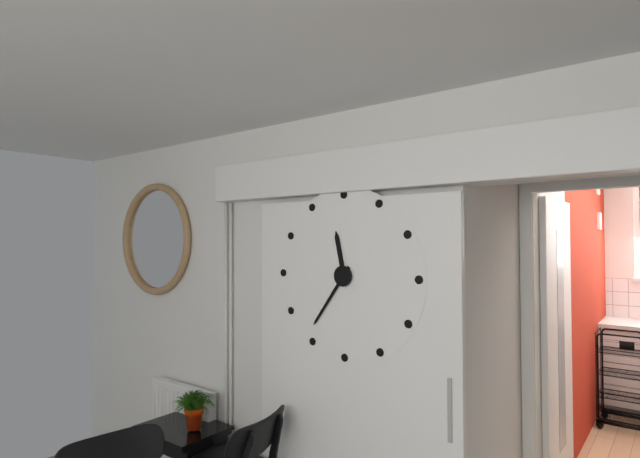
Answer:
11 h 36 min
